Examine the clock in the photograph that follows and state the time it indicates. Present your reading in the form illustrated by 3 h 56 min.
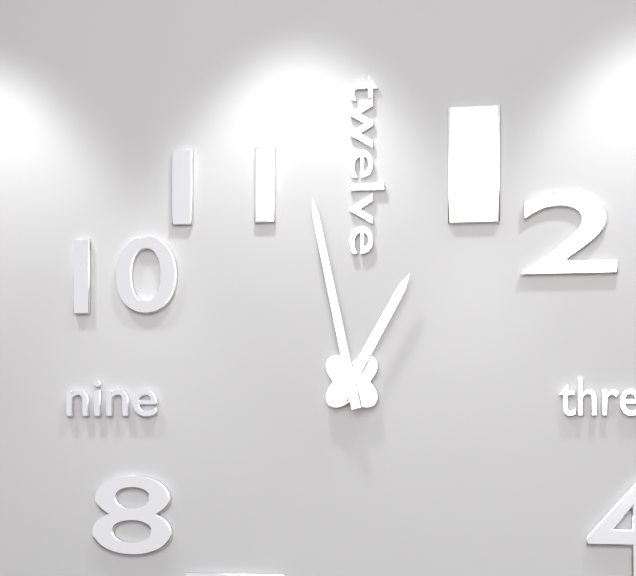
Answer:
12 h 58 min
